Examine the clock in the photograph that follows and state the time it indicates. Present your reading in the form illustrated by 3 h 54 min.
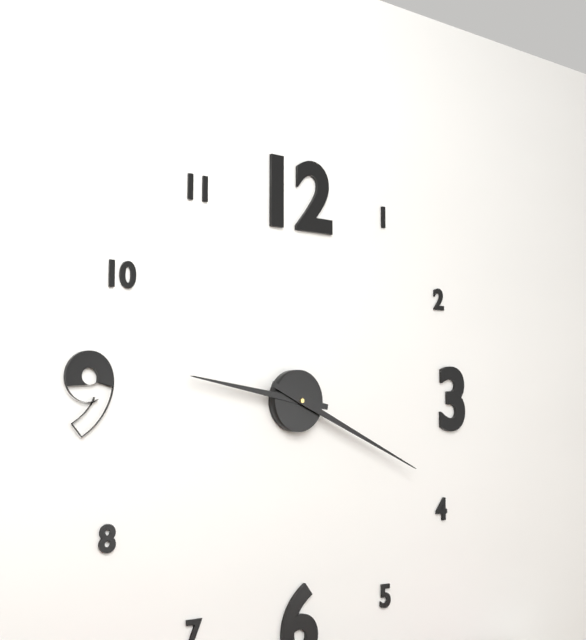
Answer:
9 h 19 min
